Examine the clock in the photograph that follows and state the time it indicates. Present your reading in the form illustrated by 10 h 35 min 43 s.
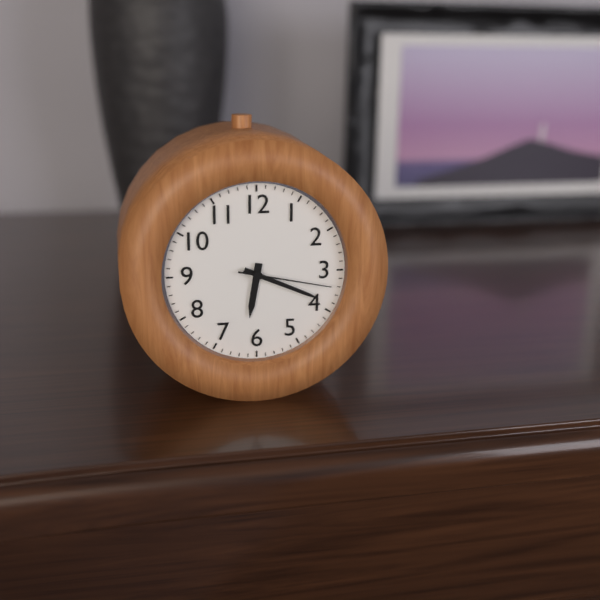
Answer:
6 h 19 min 17 s
